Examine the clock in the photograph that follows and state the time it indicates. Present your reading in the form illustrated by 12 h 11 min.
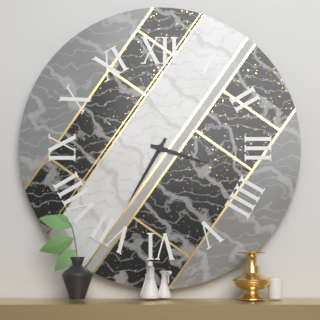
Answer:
3 h 35 min
